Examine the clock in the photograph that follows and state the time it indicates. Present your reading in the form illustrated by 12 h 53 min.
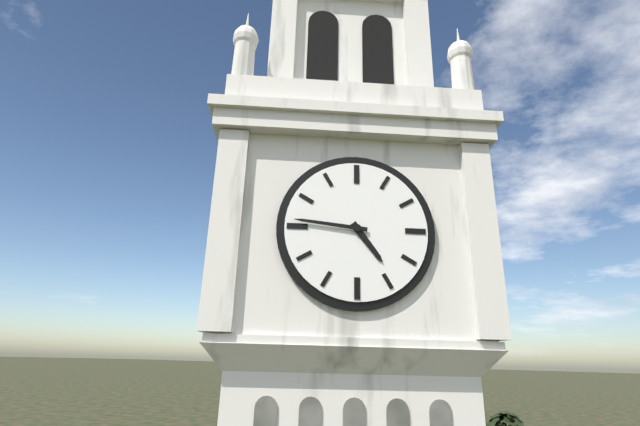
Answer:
4 h 46 min
